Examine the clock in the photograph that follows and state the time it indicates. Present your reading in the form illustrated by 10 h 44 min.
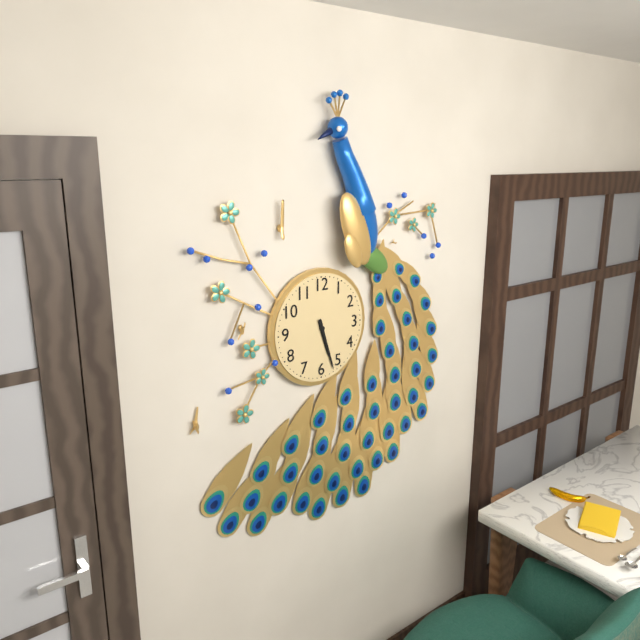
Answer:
5 h 27 min
